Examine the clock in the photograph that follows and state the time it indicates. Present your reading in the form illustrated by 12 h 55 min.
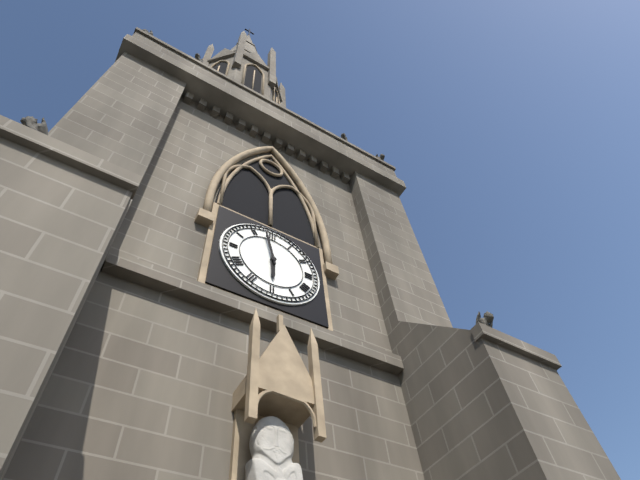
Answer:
5 h 58 min
